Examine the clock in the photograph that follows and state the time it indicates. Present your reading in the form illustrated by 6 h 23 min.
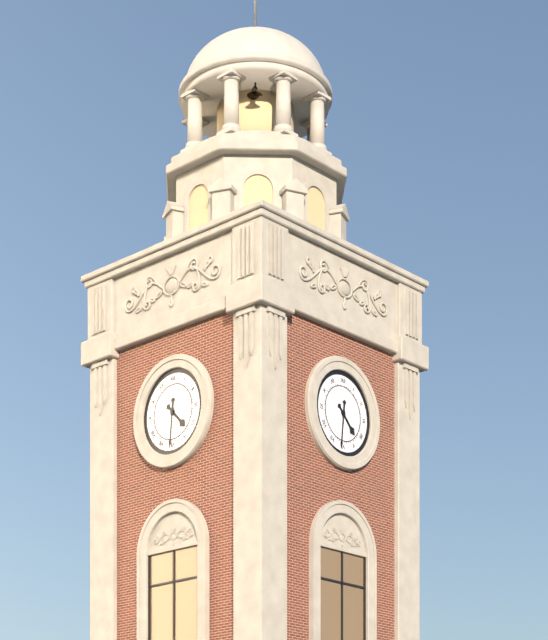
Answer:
4 h 31 min
